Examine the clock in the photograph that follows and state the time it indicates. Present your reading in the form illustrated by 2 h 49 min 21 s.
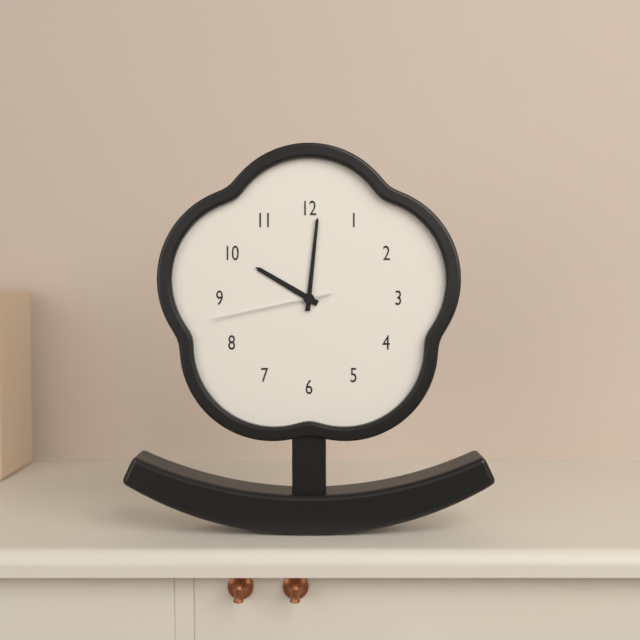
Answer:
10 h 01 min 43 s
